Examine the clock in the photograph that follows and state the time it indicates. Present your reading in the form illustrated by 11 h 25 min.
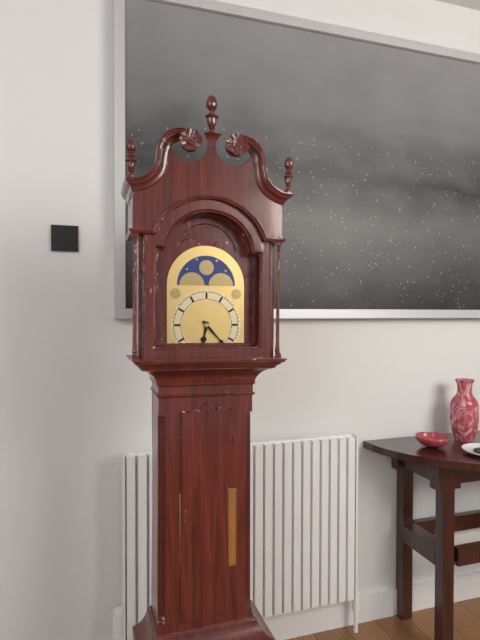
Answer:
6 h 23 min
